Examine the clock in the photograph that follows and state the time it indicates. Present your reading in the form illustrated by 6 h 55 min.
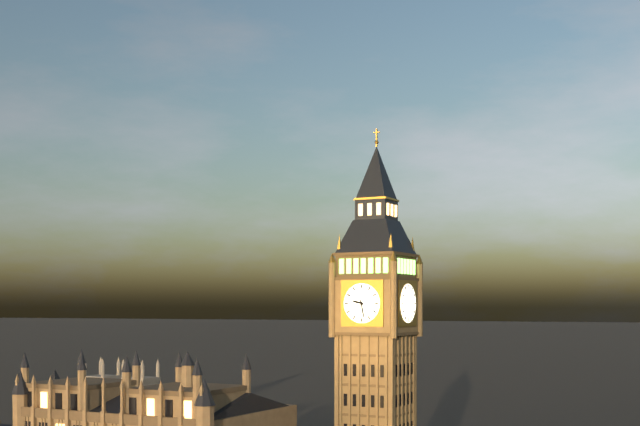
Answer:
9 h 28 min
